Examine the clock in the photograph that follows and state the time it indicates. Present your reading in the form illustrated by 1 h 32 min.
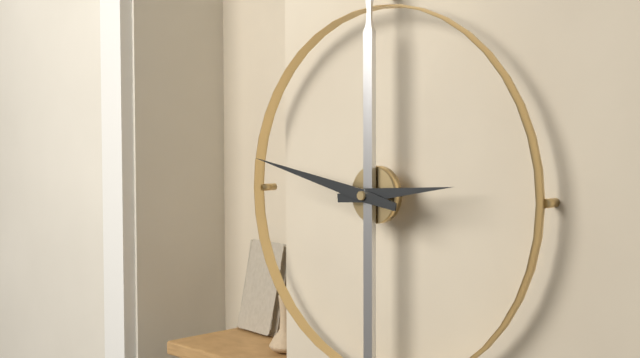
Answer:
2 h 47 min
